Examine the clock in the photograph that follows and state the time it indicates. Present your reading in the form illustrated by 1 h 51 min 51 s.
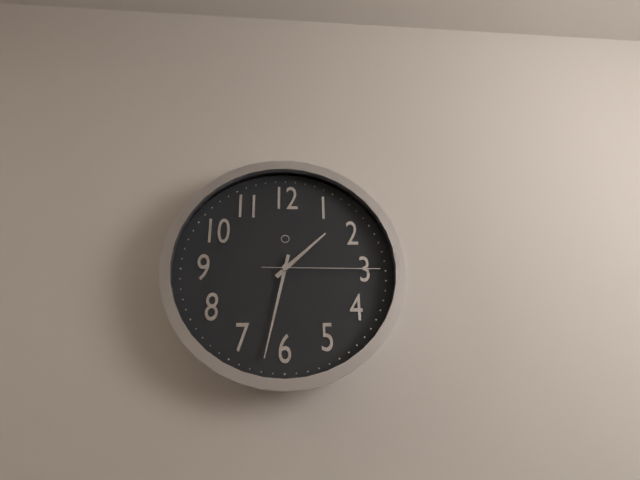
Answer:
1 h 32 min 15 s
